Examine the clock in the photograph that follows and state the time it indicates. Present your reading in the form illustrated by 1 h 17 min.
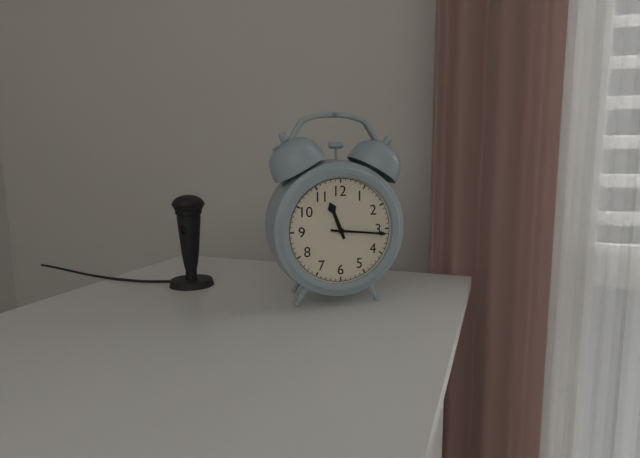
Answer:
11 h 16 min
